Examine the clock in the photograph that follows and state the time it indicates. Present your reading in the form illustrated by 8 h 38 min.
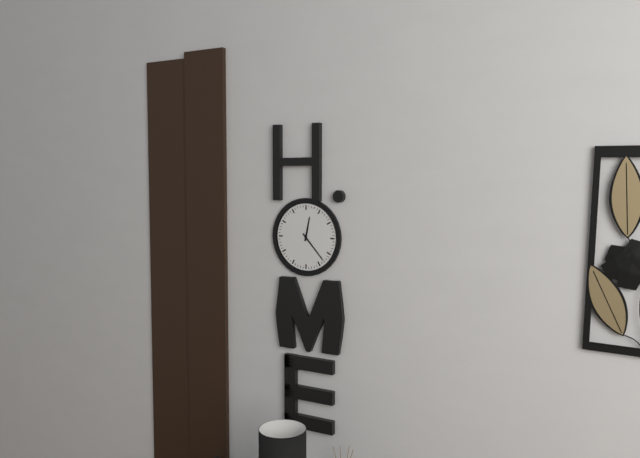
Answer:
12 h 23 min
